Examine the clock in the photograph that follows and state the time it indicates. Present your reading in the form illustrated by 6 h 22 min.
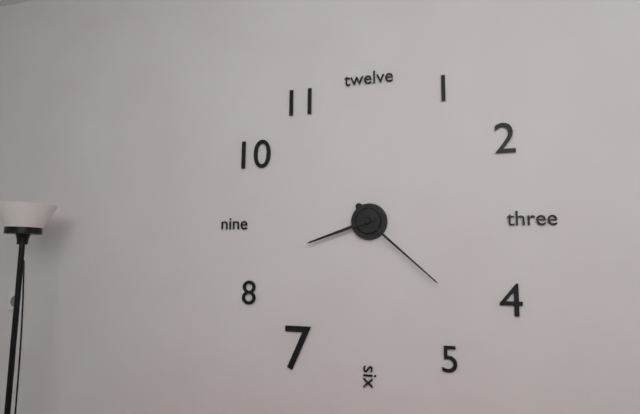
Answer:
8 h 22 min
